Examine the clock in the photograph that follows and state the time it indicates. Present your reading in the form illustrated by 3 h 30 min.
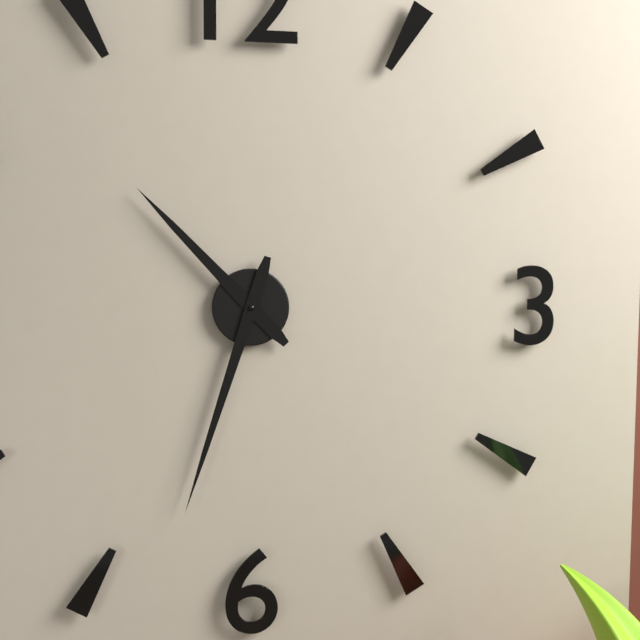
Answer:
10 h 33 min
